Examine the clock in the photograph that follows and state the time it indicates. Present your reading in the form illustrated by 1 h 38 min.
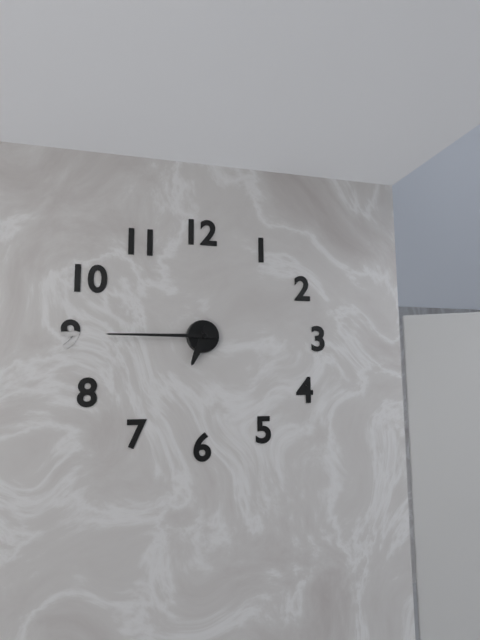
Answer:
6 h 45 min
